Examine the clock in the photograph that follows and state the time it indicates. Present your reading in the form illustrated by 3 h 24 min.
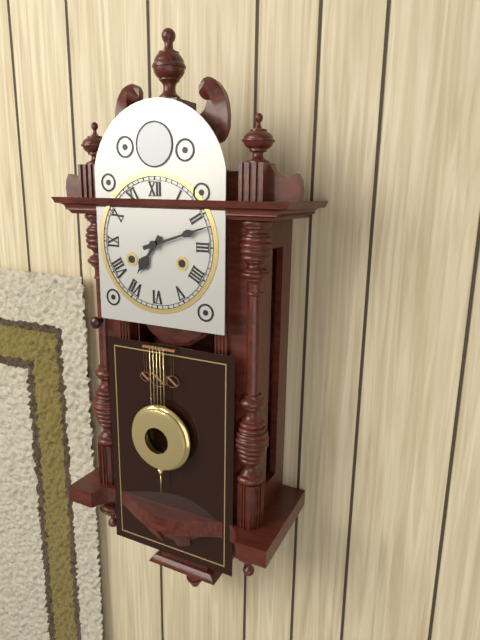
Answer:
7 h 12 min
